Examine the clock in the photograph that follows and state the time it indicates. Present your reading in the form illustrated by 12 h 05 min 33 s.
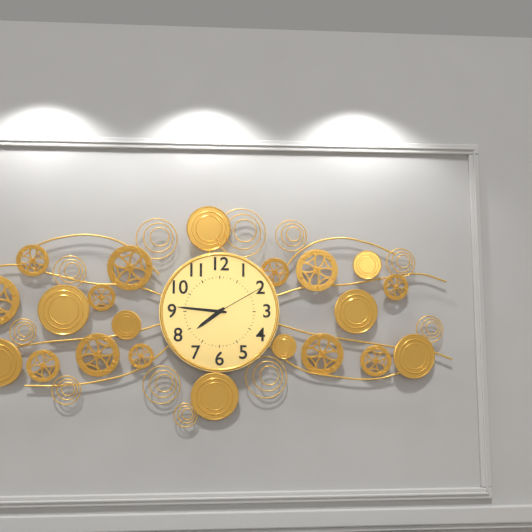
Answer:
7 h 46 min 10 s
